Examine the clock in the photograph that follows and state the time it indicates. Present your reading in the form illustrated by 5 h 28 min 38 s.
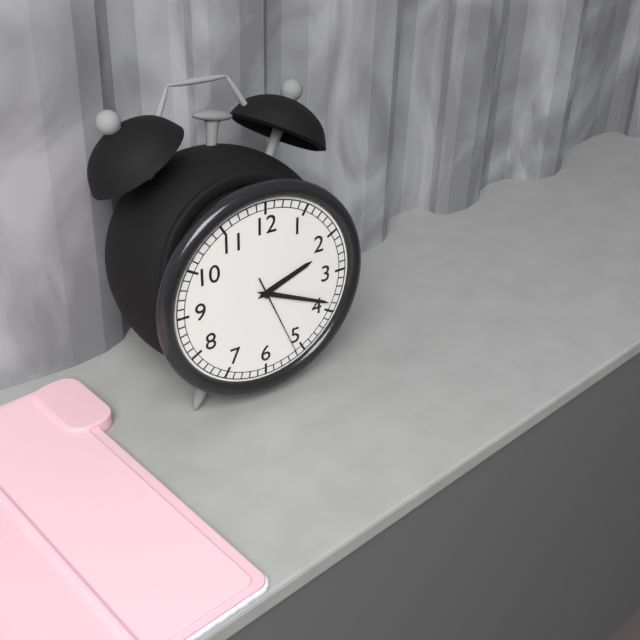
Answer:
2 h 19 min 26 s
